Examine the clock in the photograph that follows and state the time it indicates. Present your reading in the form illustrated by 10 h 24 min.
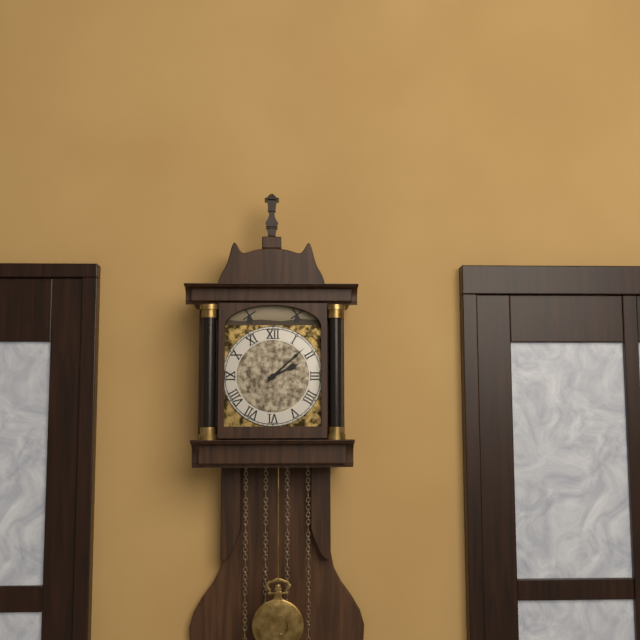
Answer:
2 h 08 min
